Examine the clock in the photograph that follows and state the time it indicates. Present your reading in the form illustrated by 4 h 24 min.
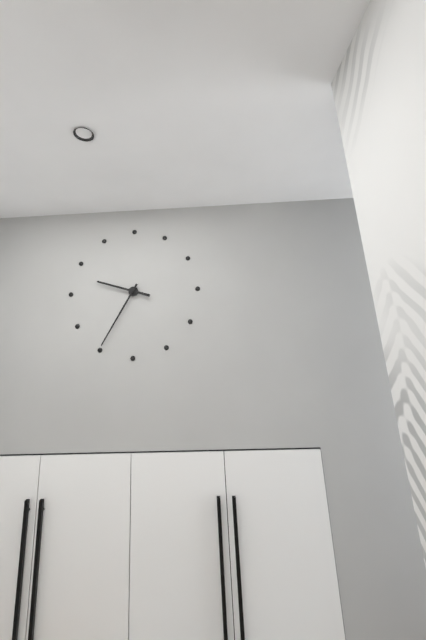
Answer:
9 h 35 min
